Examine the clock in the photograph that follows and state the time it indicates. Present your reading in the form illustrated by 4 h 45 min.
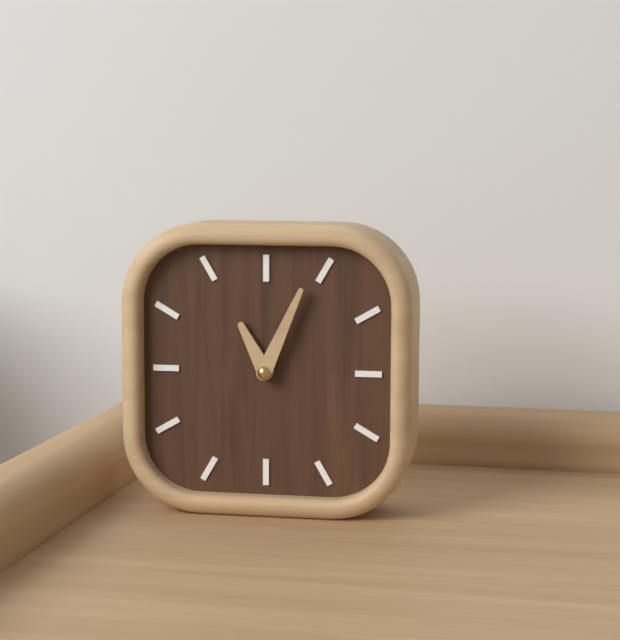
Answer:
11 h 04 min
